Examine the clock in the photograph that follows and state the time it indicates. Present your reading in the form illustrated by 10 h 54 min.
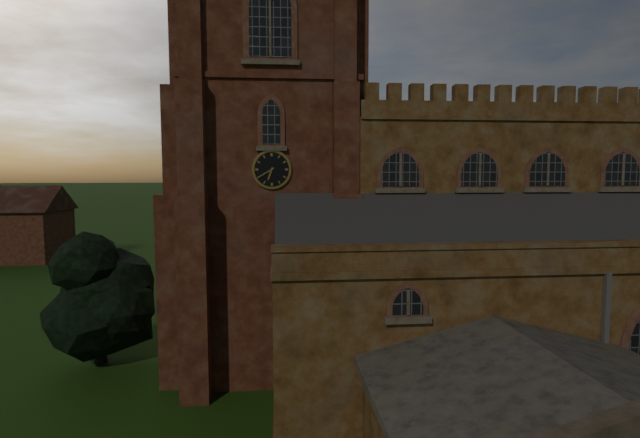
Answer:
6 h 40 min
